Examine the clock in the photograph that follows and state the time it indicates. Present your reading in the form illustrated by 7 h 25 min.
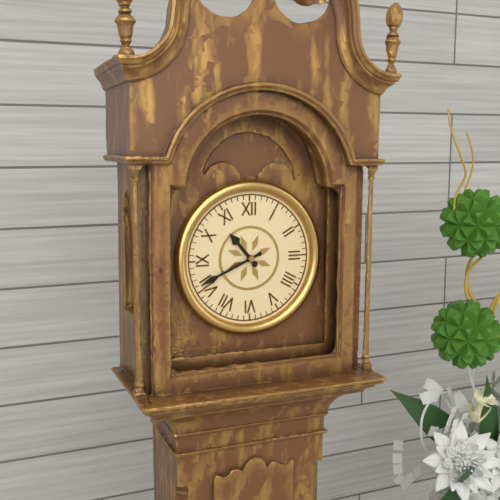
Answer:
10 h 41 min
